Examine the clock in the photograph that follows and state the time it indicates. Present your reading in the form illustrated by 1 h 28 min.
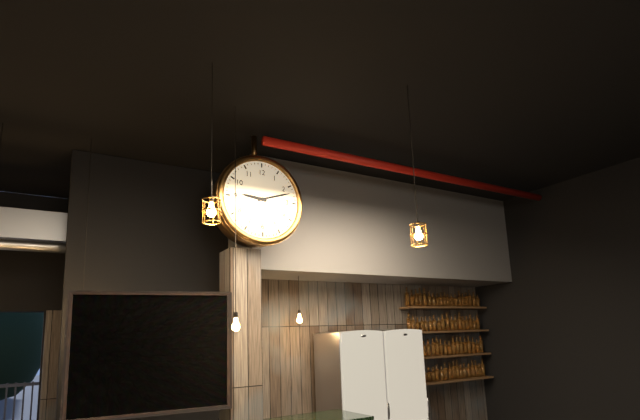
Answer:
9 h 12 min
